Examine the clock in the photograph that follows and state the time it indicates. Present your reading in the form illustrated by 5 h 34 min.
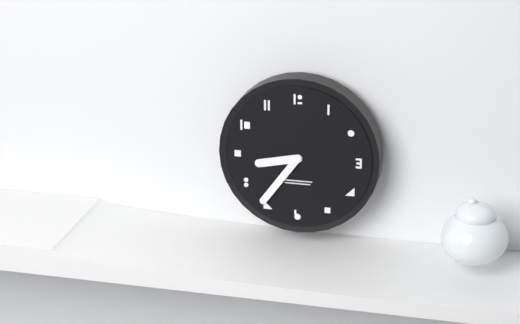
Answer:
8 h 36 min
